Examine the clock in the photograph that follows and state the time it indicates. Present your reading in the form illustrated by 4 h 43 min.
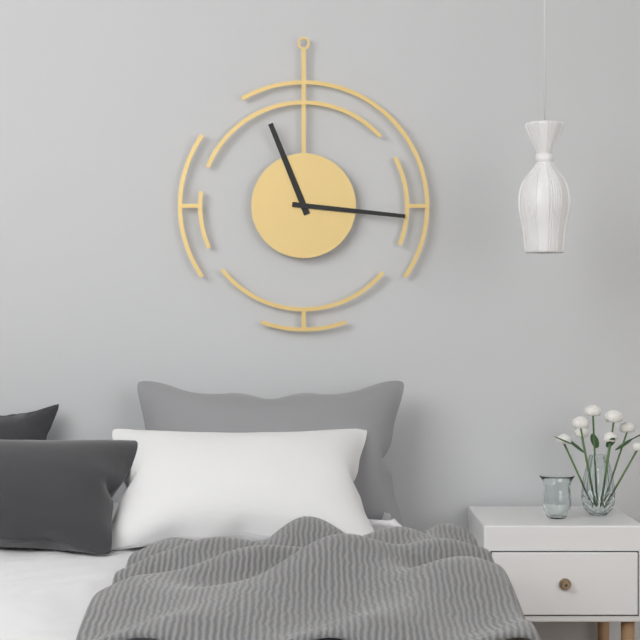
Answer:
11 h 16 min
